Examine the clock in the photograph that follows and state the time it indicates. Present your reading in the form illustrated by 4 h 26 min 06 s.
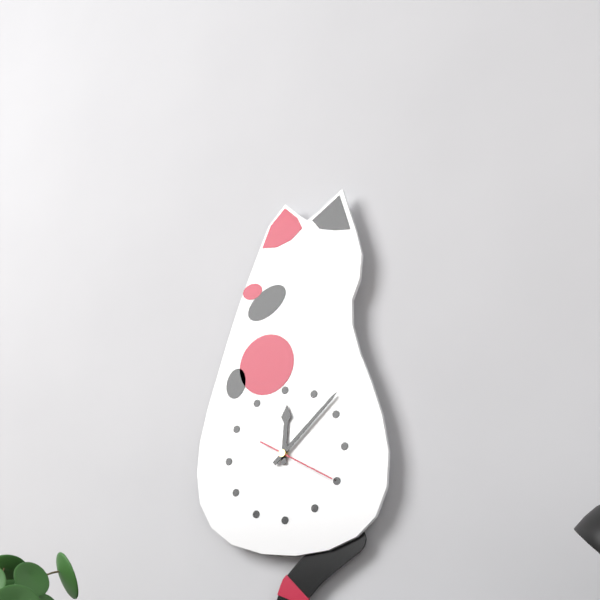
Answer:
12 h 08 min 20 s
